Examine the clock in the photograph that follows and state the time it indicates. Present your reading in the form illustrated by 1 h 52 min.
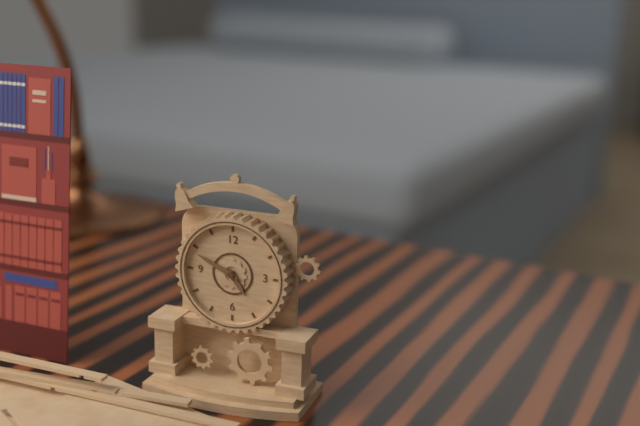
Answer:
4 h 49 min
